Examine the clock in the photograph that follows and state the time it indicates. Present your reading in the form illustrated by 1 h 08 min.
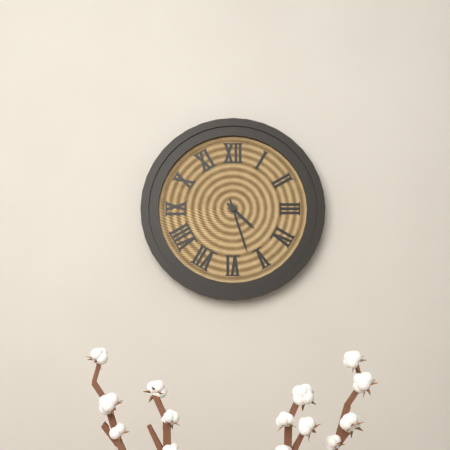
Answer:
4 h 27 min
